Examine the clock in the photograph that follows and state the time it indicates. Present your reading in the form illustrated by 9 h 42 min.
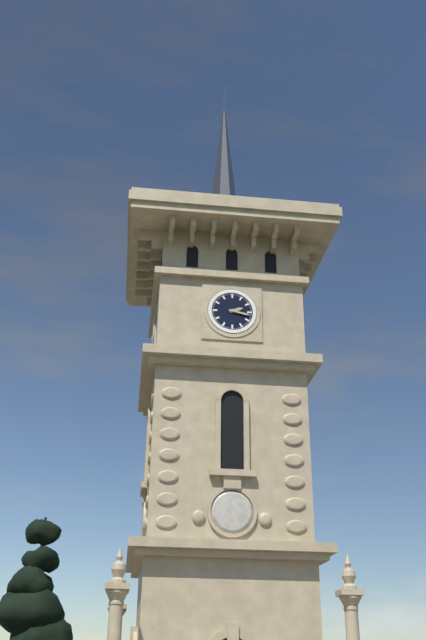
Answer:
2 h 17 min
